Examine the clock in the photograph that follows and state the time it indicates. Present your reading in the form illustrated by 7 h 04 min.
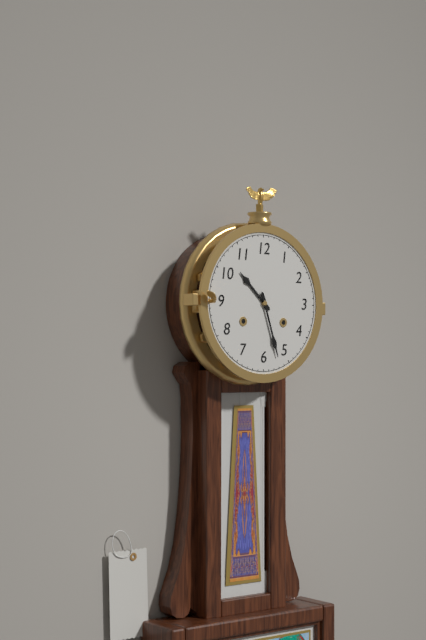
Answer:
10 h 27 min
